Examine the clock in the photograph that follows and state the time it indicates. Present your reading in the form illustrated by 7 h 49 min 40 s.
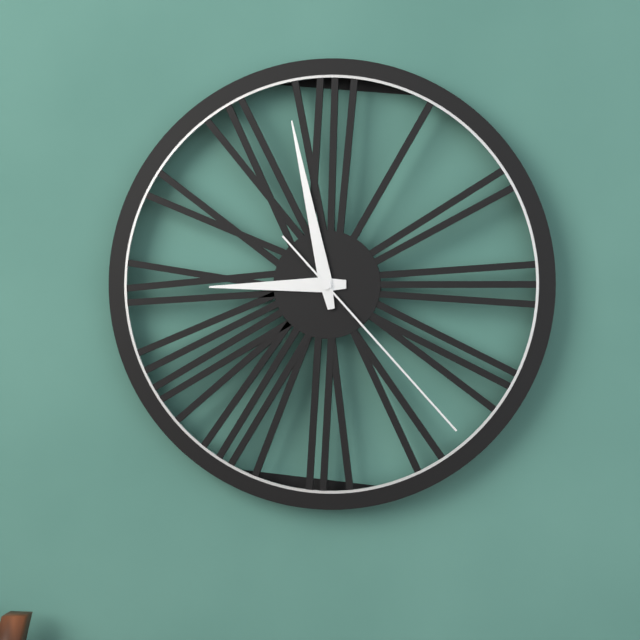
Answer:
8 h 58 min 23 s
